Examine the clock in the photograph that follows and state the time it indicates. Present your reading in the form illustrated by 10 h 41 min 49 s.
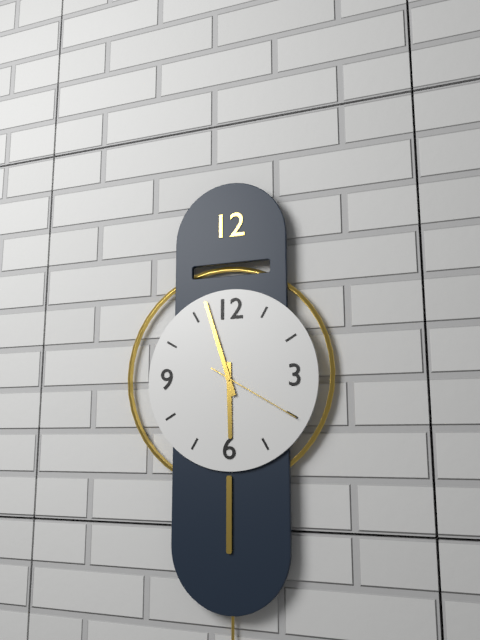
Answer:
5 h 57 min 20 s
